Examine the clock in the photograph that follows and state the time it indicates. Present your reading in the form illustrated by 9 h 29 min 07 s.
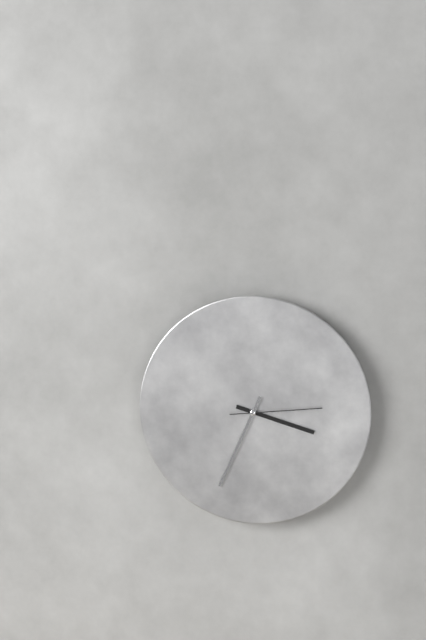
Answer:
3 h 34 min 14 s
